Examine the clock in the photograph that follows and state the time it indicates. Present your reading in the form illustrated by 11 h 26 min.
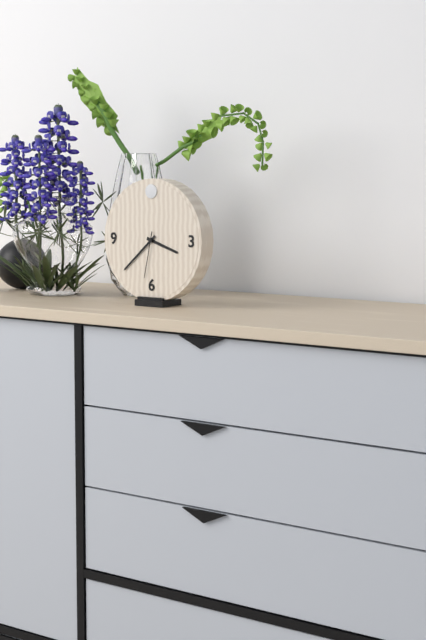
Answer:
3 h 38 min
